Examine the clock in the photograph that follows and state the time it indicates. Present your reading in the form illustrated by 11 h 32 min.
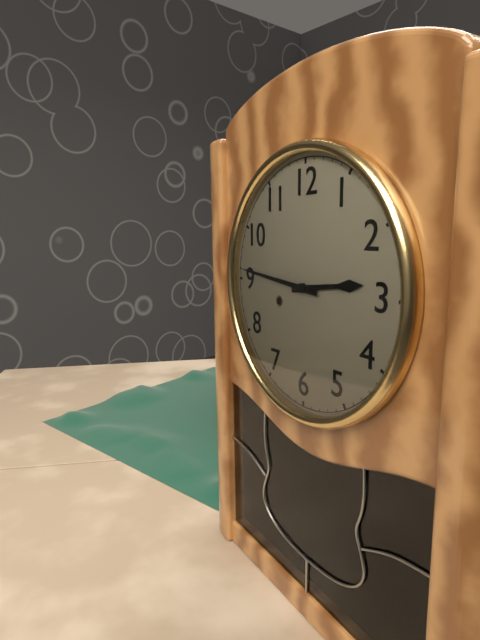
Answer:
2 h 46 min
